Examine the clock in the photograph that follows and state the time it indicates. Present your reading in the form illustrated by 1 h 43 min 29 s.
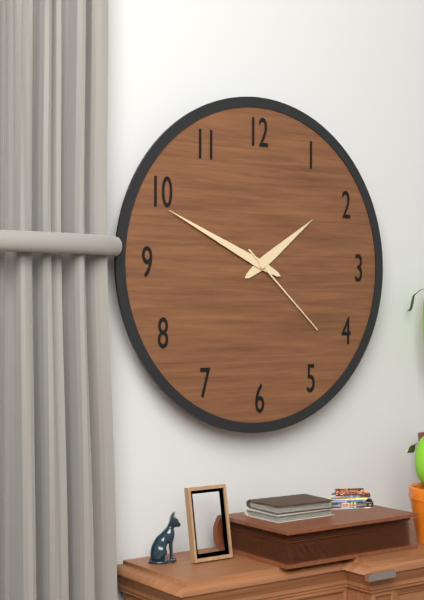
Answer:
1 h 49 min 22 s
